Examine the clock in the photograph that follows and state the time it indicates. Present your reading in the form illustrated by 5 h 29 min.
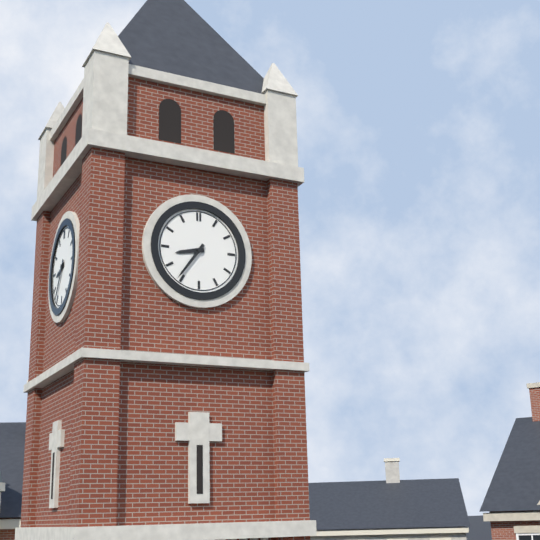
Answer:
8 h 36 min
